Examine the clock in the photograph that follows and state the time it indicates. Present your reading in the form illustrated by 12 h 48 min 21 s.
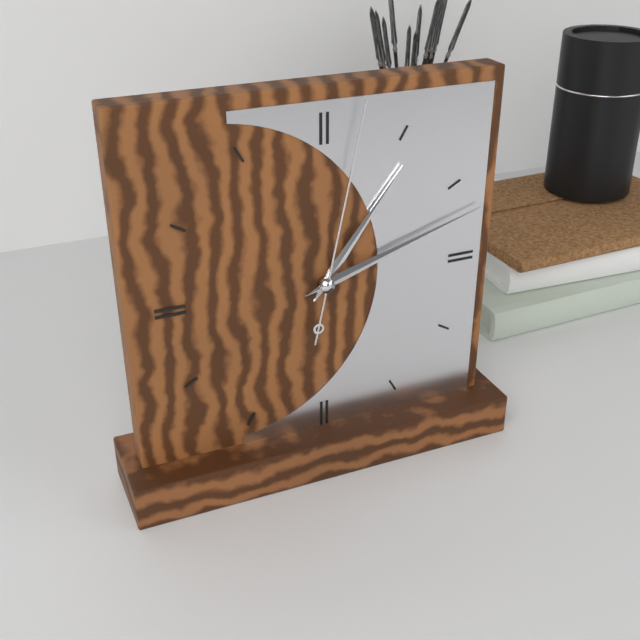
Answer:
1 h 12 min 02 s
